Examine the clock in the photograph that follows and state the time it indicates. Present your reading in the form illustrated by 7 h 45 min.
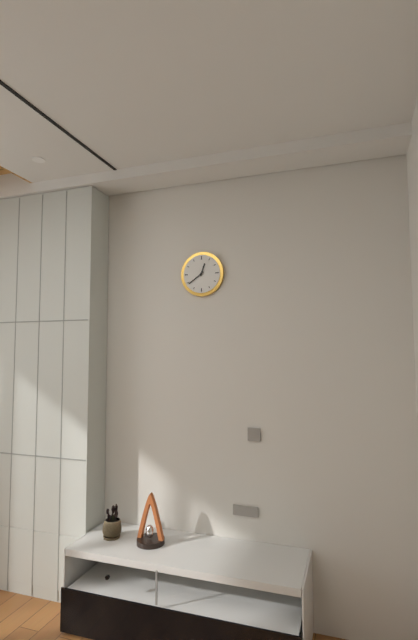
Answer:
12 h 39 min
